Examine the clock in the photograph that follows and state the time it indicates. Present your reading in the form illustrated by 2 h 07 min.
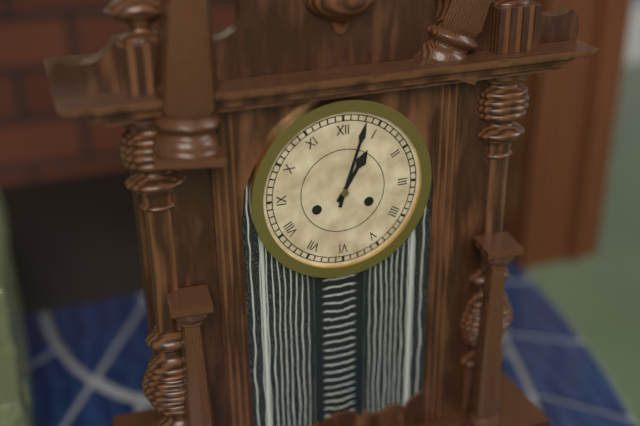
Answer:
1 h 03 min
